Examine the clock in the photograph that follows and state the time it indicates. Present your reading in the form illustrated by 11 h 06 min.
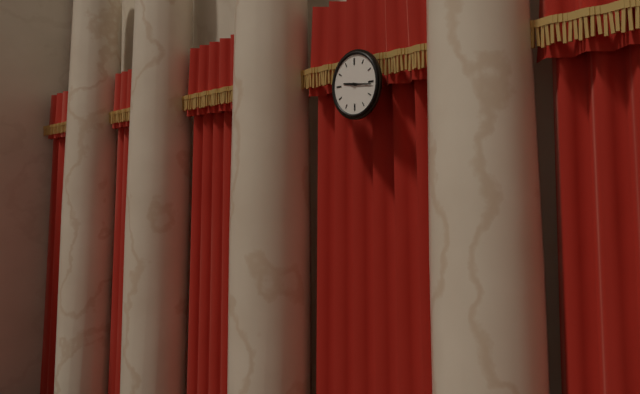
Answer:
9 h 16 min
